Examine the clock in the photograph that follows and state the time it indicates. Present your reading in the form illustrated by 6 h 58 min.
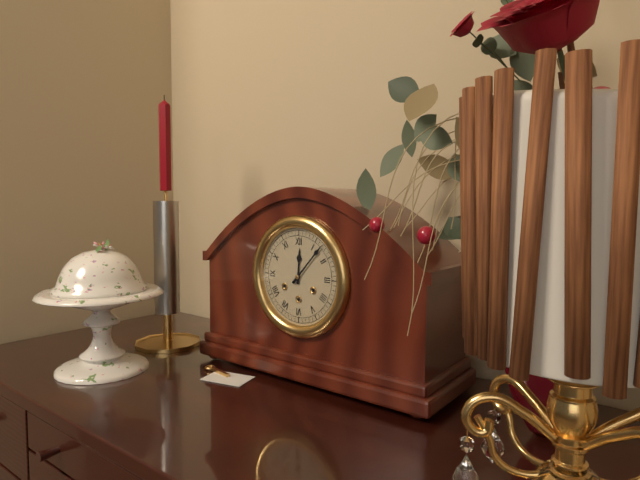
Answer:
12 h 07 min
